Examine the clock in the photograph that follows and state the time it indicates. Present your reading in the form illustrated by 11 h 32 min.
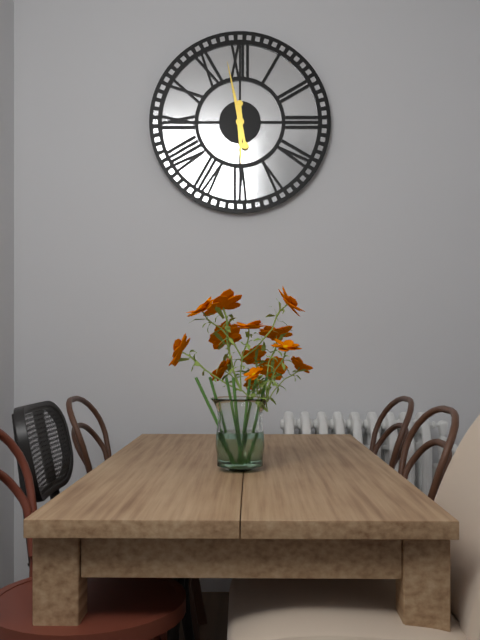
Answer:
5 h 58 min
